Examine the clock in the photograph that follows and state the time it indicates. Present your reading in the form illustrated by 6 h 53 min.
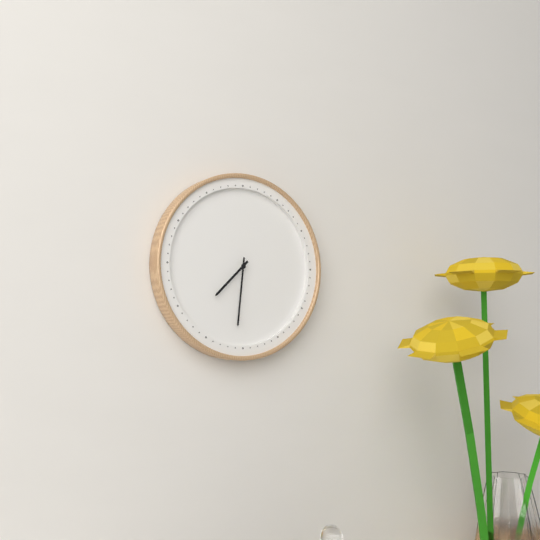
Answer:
7 h 31 min
